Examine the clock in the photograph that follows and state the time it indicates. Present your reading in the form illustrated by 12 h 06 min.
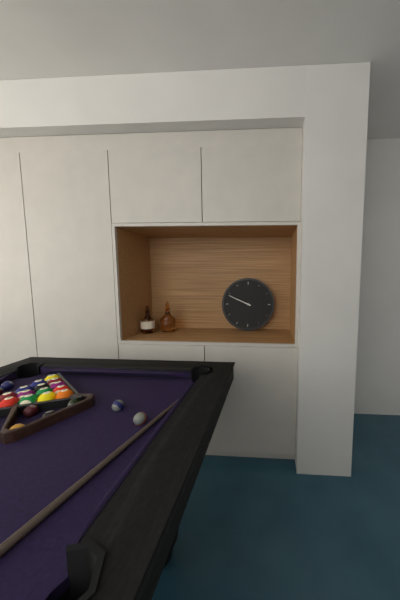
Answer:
9 h 49 min
